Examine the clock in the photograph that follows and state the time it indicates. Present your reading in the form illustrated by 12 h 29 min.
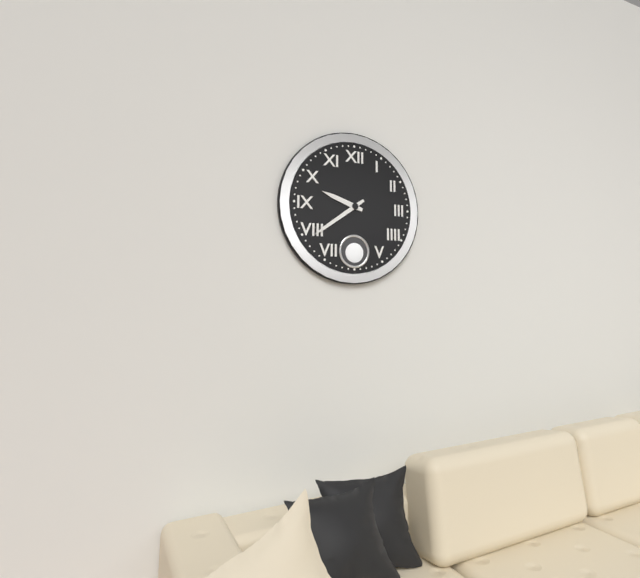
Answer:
9 h 39 min
